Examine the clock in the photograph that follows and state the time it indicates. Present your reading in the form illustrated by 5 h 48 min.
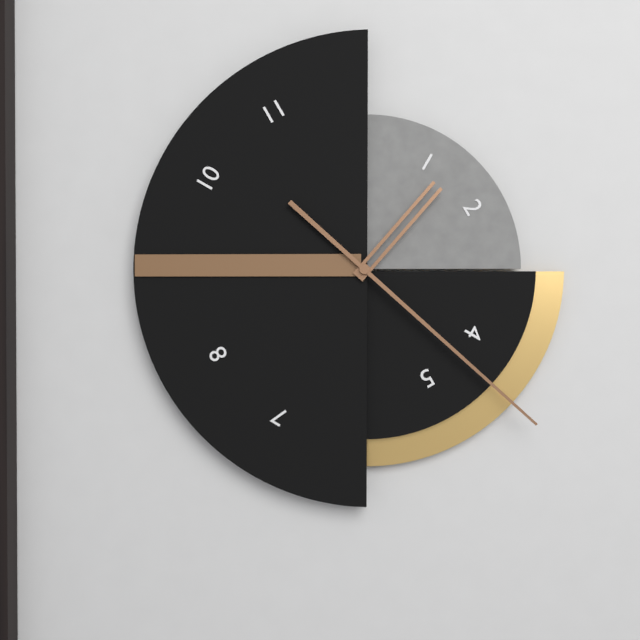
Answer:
1 h 22 min
